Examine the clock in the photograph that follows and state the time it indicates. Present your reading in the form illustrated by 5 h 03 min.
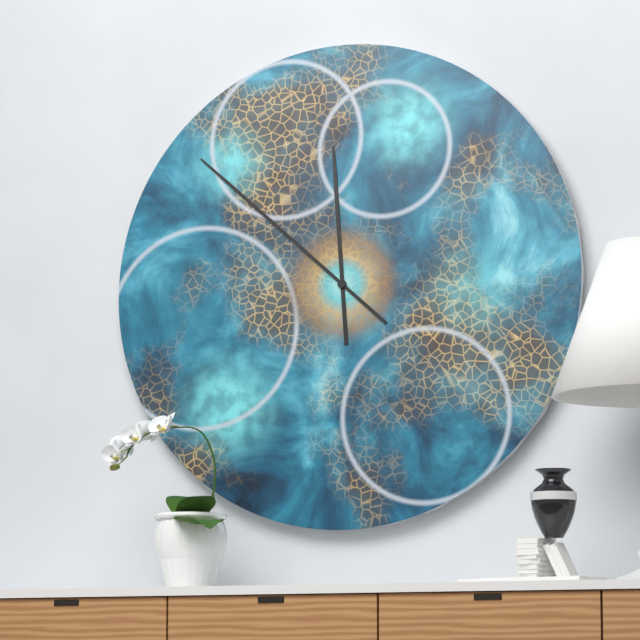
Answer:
11 h 52 min
